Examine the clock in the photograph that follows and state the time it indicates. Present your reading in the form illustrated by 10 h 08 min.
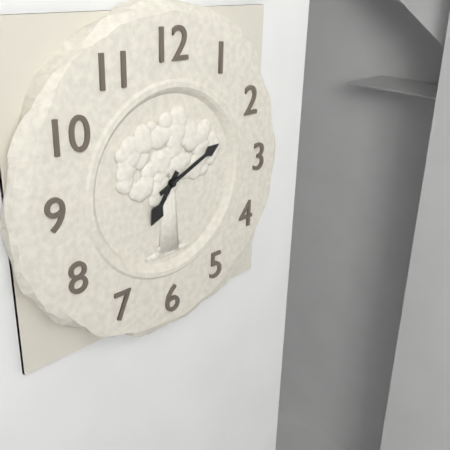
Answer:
7 h 11 min
